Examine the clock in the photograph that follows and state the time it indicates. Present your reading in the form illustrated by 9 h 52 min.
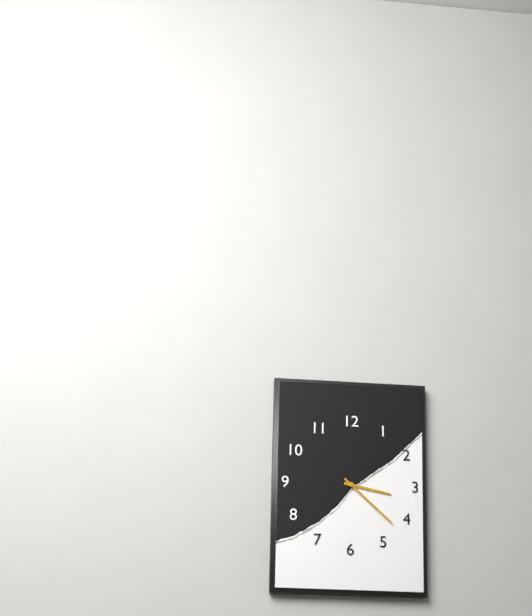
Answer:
3 h 22 min
